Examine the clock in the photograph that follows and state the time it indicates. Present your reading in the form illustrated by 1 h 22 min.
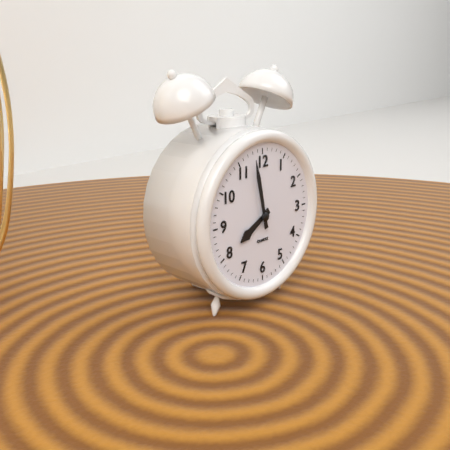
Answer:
7 h 58 min
